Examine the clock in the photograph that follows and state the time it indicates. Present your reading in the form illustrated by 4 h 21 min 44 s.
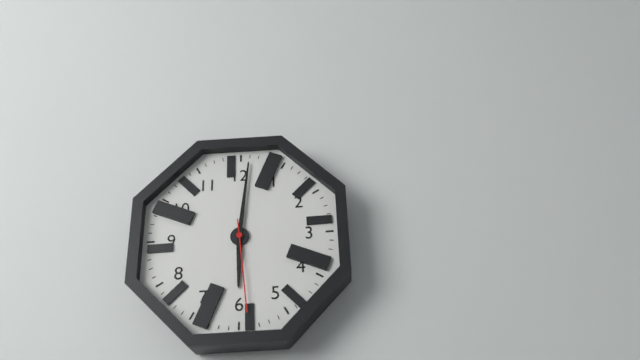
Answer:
6 h 01 min 29 s
